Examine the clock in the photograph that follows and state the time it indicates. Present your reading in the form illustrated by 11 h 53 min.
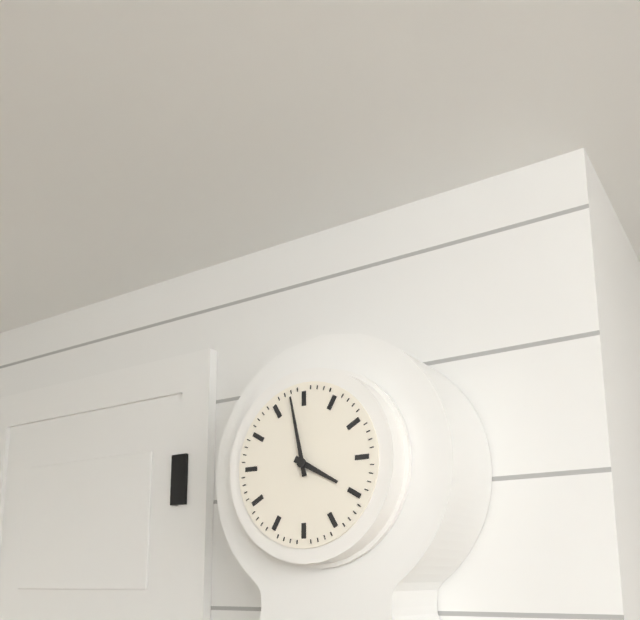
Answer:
3 h 58 min
